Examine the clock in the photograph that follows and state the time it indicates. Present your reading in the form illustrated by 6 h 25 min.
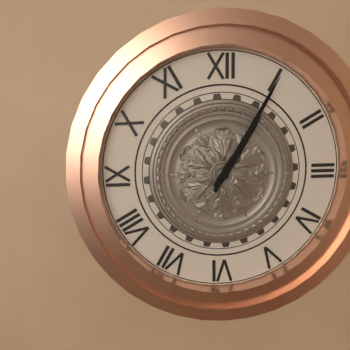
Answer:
1 h 05 min
